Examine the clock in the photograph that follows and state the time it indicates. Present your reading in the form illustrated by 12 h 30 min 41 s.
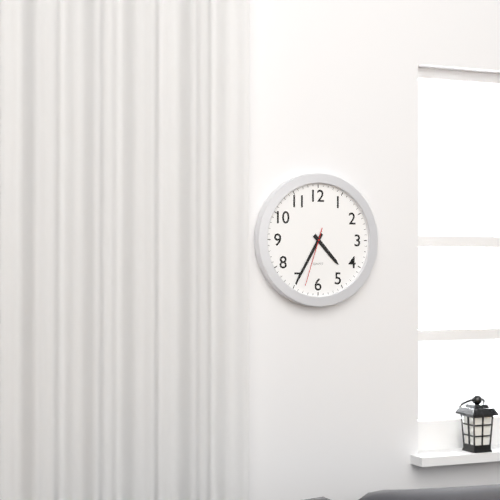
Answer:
4 h 35 min 33 s
